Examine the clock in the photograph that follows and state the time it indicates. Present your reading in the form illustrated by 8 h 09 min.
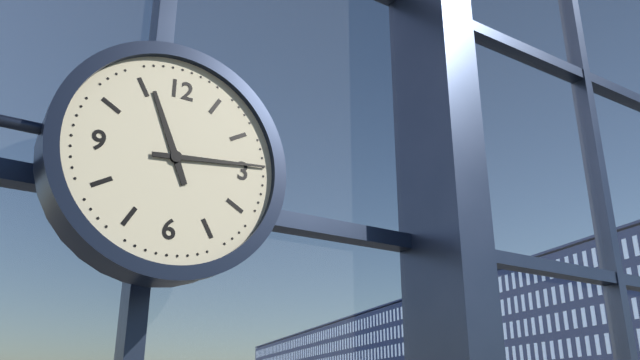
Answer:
11 h 14 min
